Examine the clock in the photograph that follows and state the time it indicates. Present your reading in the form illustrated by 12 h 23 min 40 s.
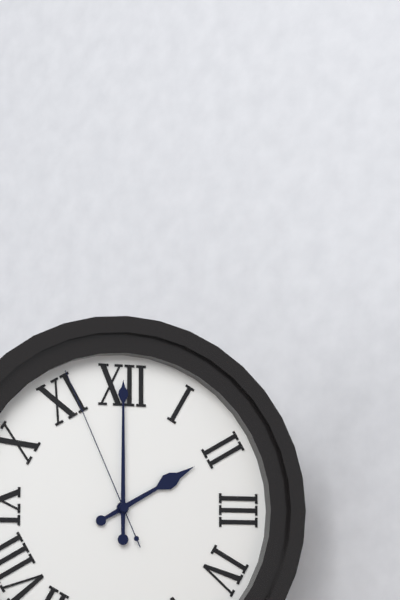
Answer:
2 h 00 min 56 s
